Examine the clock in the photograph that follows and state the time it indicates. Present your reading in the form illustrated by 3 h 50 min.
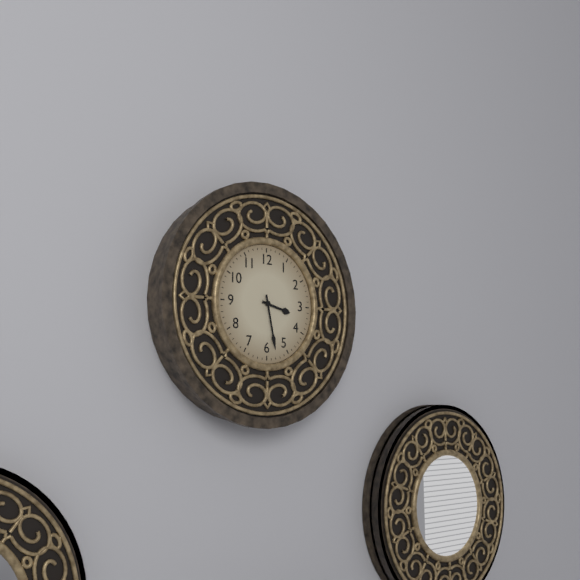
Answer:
3 h 28 min
